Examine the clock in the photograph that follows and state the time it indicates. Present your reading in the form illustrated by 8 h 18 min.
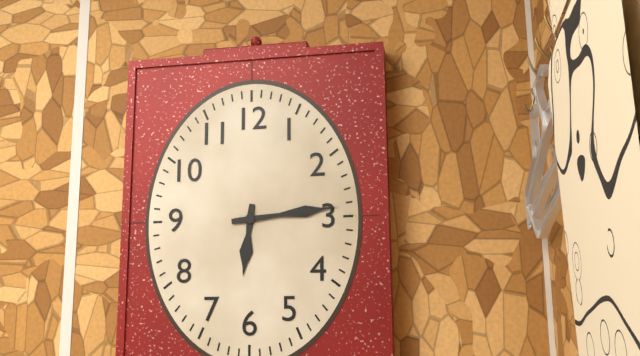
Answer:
6 h 14 min
